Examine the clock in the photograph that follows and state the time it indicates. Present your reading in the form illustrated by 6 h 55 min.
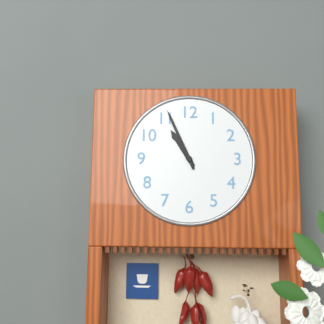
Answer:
10 h 56 min
